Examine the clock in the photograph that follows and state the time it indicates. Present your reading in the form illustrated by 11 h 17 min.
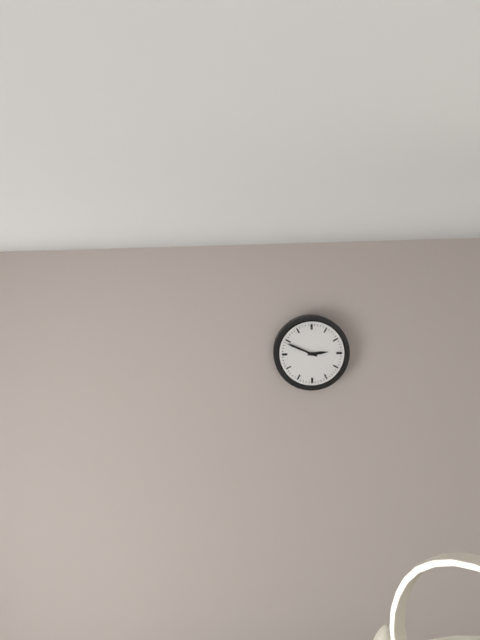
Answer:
2 h 49 min
